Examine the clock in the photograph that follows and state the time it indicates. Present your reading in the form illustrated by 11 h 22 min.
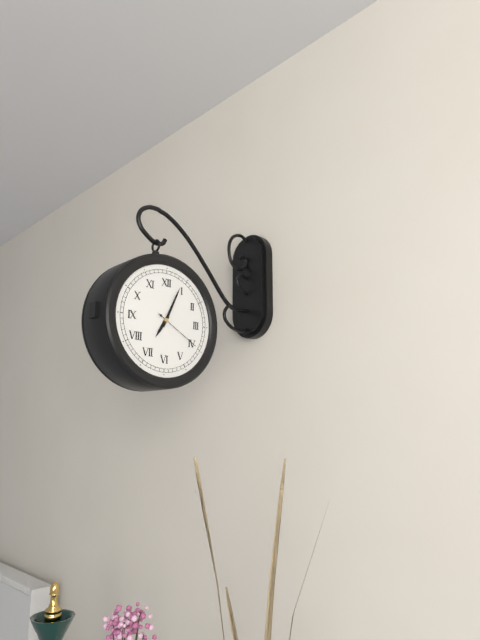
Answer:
7 h 04 min
